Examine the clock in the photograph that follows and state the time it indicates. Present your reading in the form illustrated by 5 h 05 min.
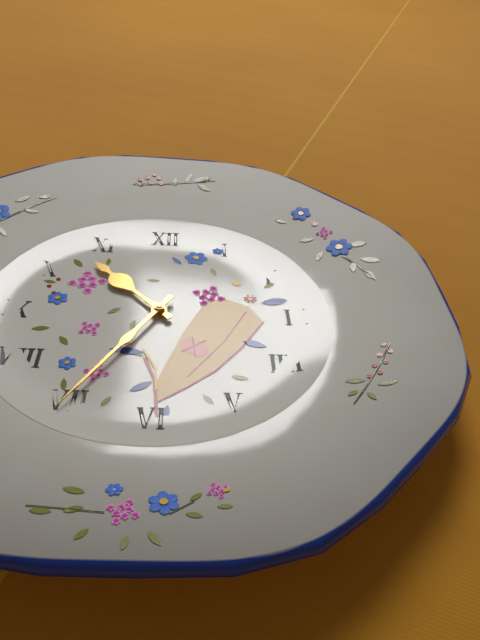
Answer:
10 h 35 min
